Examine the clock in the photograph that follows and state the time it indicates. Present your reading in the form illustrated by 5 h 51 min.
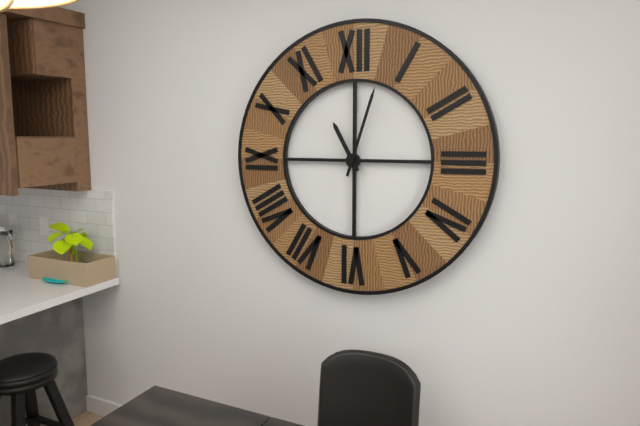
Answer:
11 h 03 min
